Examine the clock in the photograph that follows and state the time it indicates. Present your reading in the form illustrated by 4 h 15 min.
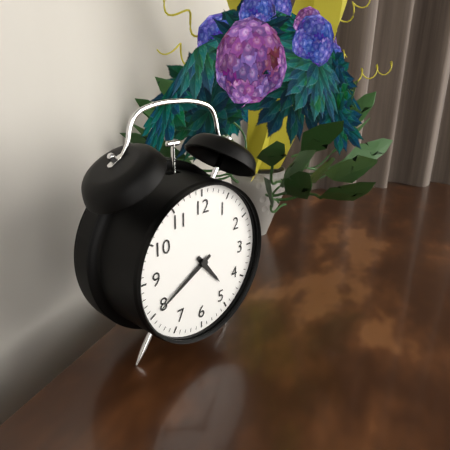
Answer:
4 h 40 min
